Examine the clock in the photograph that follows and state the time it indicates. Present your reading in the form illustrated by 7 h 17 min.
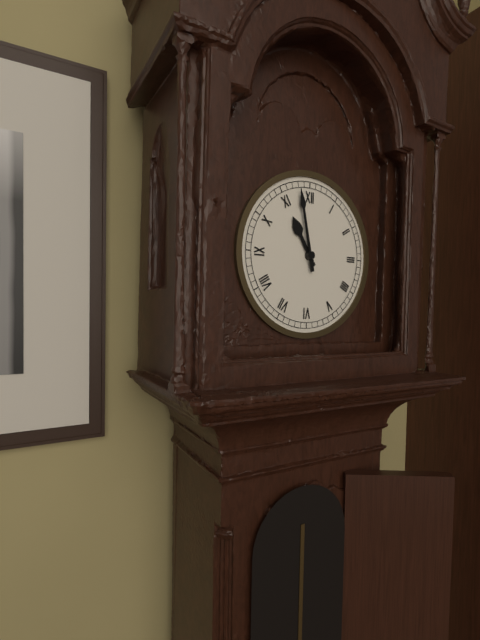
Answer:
10 h 58 min
